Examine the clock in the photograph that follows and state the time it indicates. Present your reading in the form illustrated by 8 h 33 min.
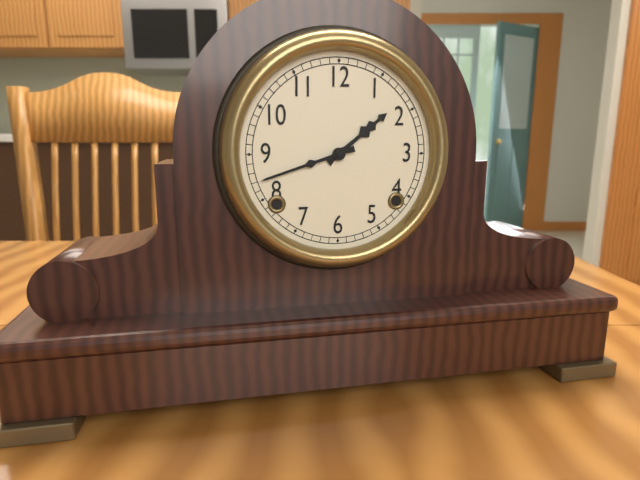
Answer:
1 h 42 min
